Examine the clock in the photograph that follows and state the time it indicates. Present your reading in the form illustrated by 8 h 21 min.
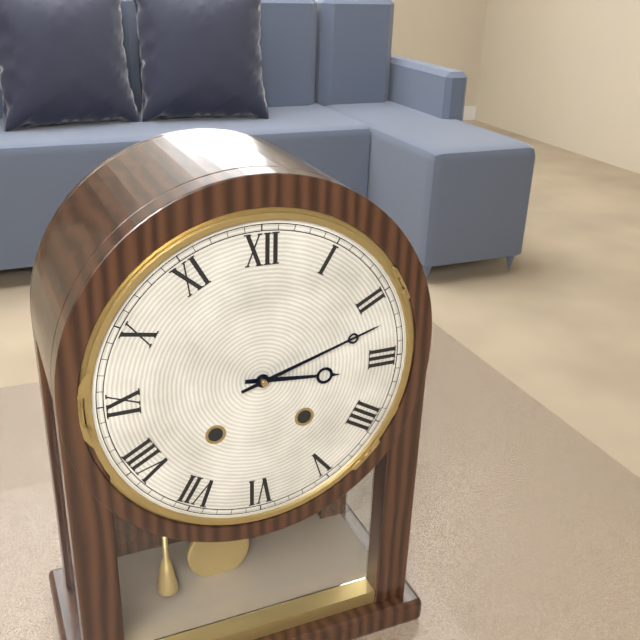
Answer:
3 h 12 min
